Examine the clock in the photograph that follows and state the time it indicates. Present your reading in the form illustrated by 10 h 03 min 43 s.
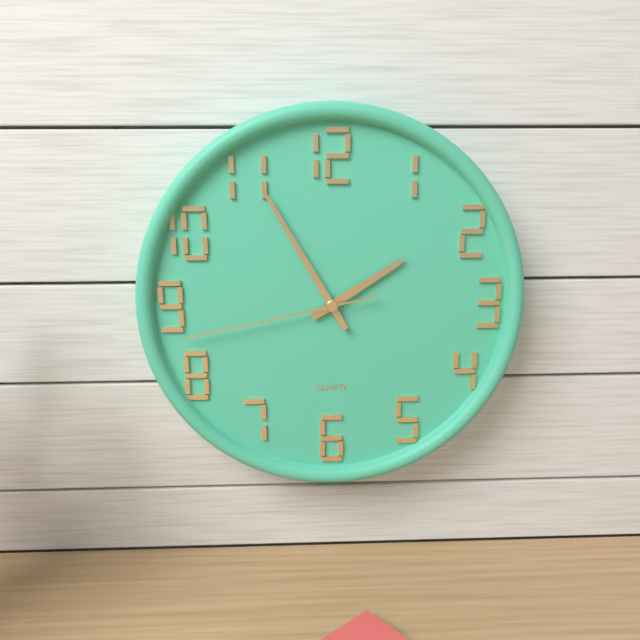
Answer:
1 h 55 min 43 s
